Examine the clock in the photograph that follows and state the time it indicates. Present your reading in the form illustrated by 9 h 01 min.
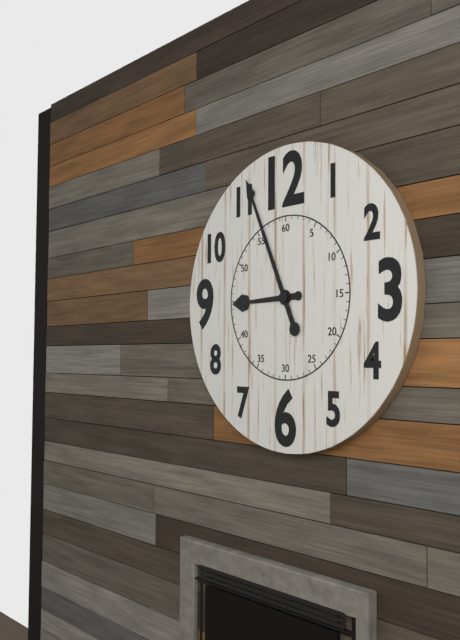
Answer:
8 h 56 min
